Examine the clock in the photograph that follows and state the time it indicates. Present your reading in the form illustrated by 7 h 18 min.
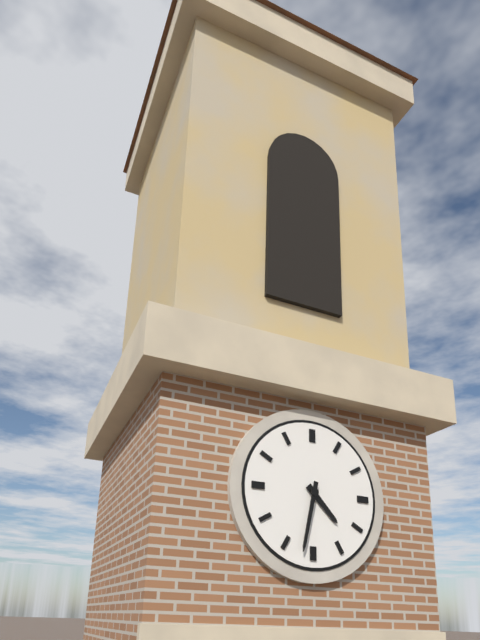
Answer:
4 h 32 min
